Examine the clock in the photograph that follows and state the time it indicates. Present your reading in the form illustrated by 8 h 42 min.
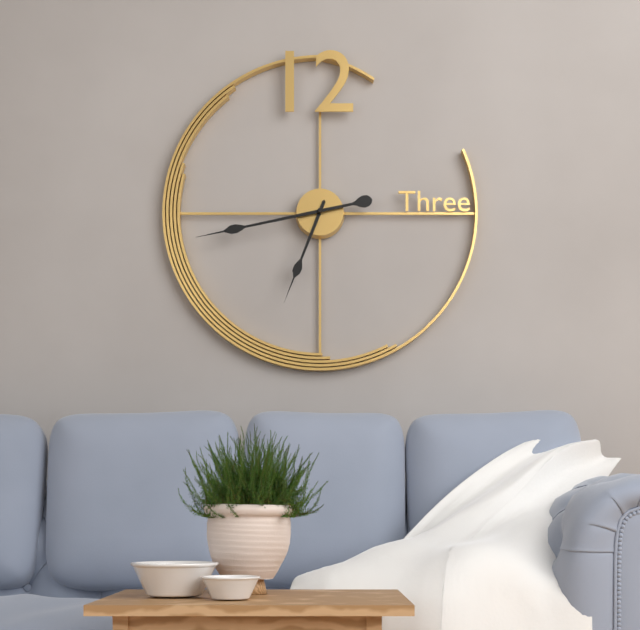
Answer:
6 h 43 min
